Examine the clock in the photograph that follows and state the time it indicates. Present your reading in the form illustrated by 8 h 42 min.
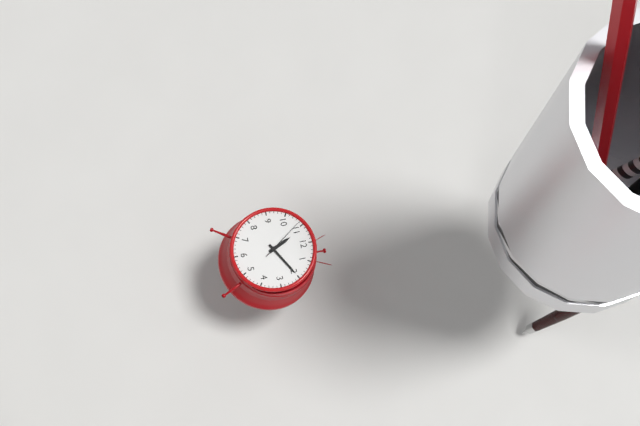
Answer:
11 h 10 min
